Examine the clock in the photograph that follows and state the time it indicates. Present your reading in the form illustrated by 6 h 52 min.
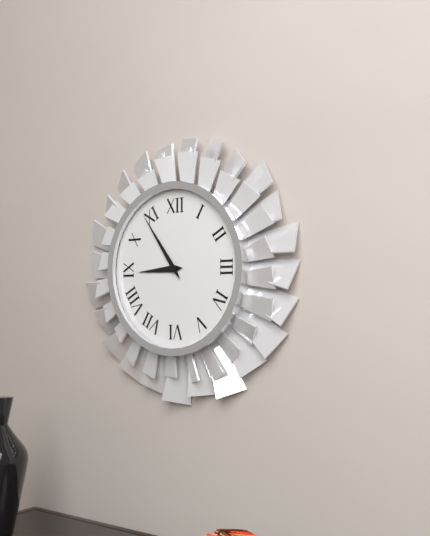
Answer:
8 h 54 min
